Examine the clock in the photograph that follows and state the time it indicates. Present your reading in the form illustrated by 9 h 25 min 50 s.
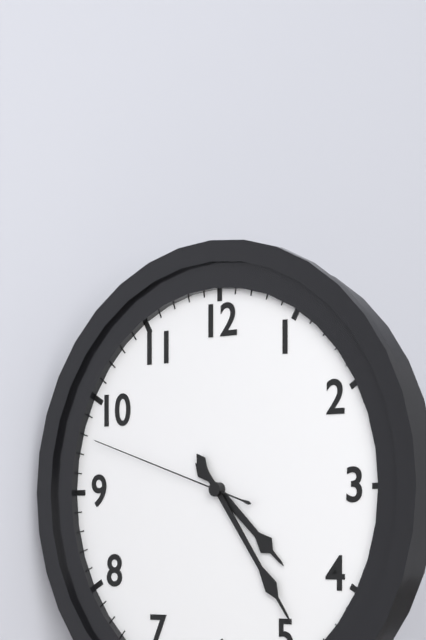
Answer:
4 h 24 min 48 s
